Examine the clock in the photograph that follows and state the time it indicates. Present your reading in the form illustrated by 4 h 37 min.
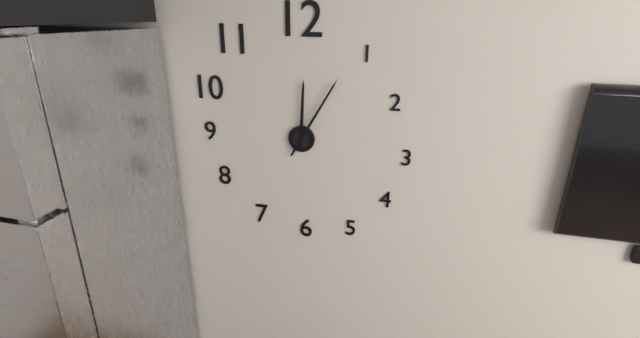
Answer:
12 h 05 min
